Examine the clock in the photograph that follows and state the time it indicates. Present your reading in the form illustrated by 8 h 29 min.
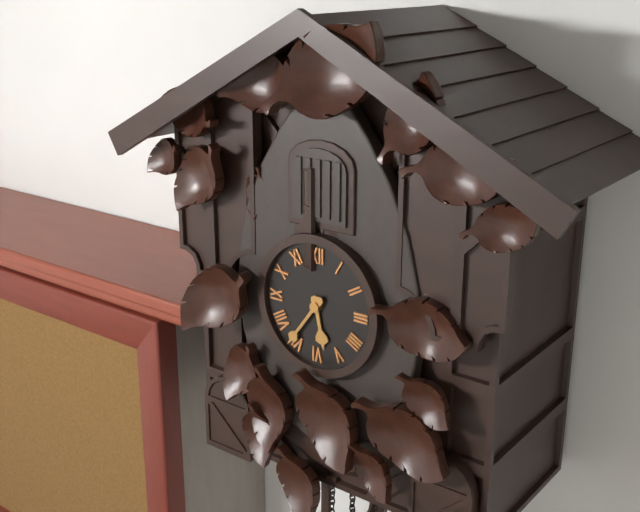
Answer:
5 h 36 min
